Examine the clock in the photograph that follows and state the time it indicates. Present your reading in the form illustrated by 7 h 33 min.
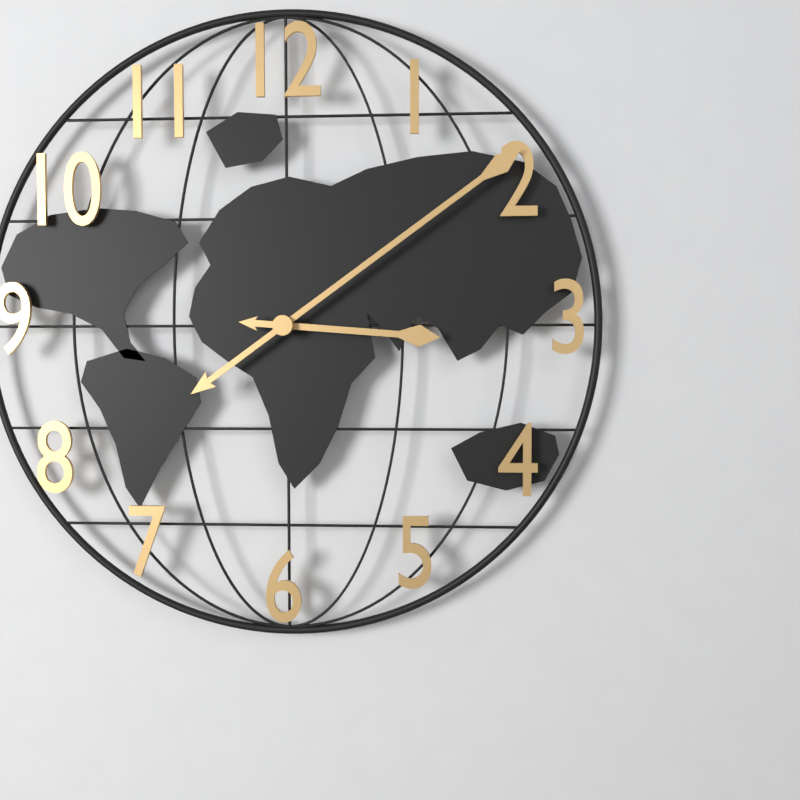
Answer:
3 h 09 min
